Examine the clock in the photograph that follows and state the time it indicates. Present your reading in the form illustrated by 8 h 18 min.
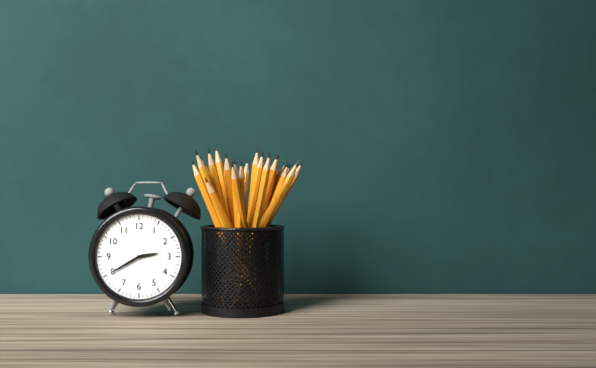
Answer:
2 h 40 min
